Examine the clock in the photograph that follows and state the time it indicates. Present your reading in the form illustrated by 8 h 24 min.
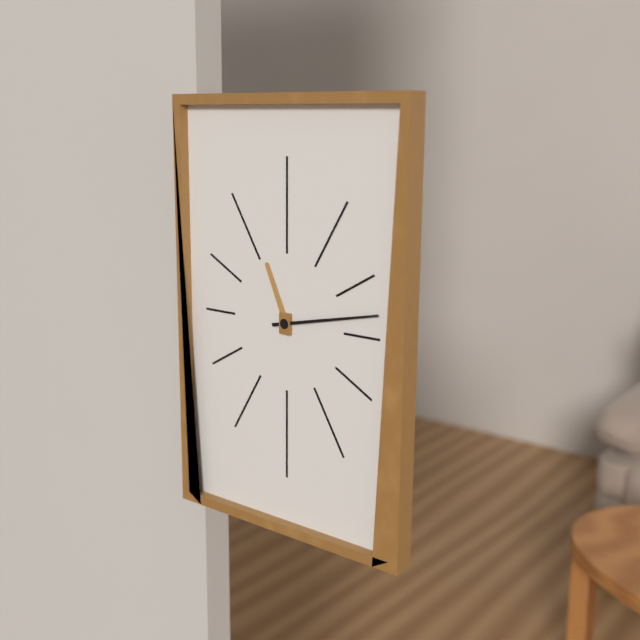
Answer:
11 h 13 min
